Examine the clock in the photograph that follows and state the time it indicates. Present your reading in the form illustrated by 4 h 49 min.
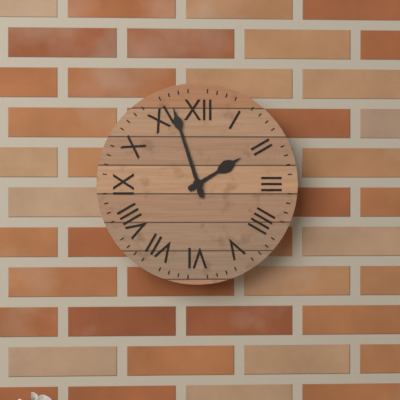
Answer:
1 h 57 min
